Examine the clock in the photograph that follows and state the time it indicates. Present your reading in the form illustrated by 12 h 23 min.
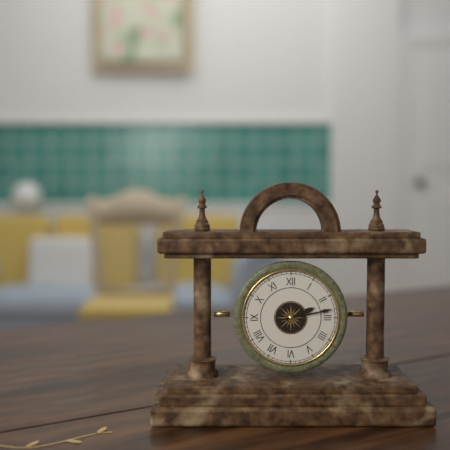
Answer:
2 h 13 min
